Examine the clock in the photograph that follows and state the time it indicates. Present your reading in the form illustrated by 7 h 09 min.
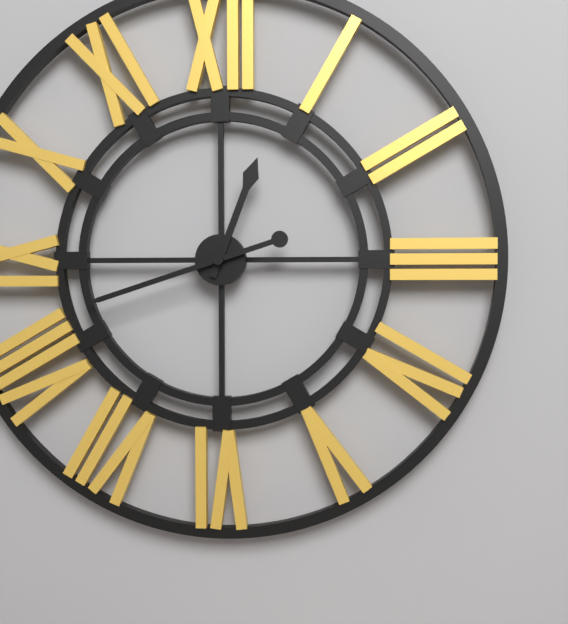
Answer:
12 h 42 min
